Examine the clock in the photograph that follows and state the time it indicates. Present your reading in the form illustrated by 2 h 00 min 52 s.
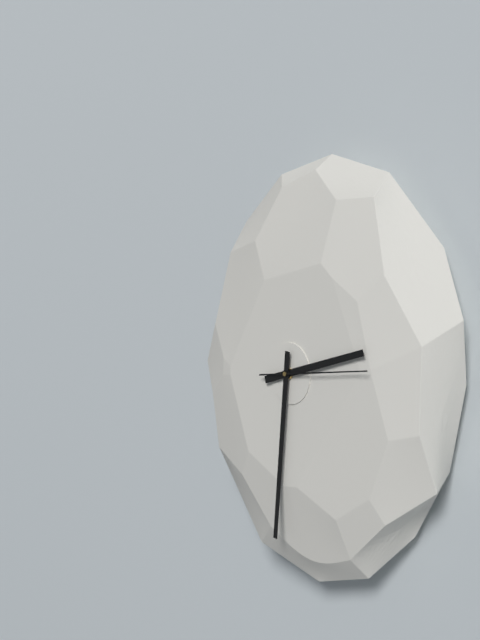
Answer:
2 h 31 min 14 s
